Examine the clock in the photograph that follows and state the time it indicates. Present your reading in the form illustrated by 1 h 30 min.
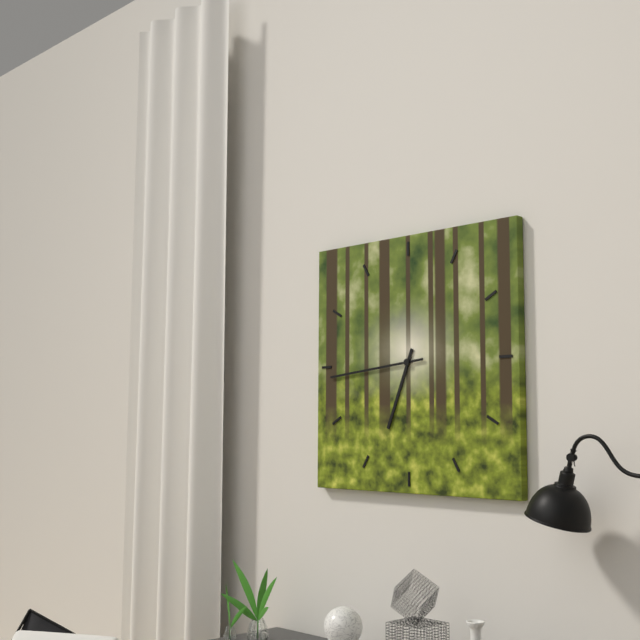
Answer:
6 h 44 min
